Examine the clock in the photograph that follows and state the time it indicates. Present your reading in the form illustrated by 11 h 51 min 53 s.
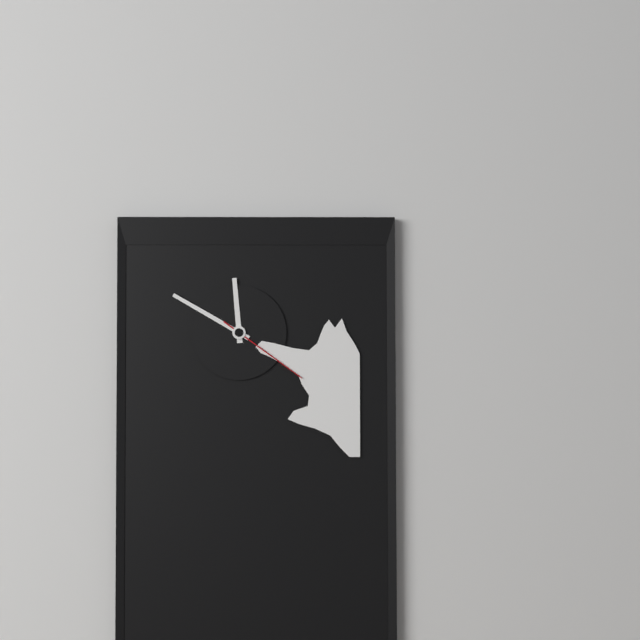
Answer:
11 h 50 min 21 s
